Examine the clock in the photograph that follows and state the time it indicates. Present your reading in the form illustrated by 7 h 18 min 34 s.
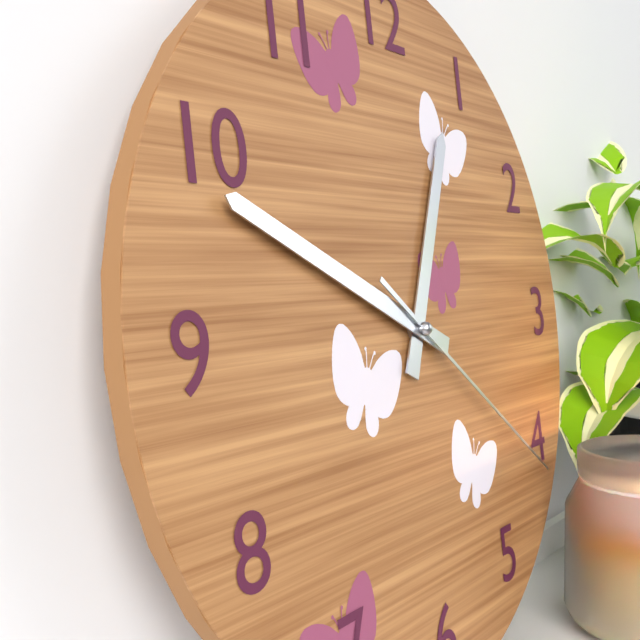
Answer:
12 h 49 min 21 s
